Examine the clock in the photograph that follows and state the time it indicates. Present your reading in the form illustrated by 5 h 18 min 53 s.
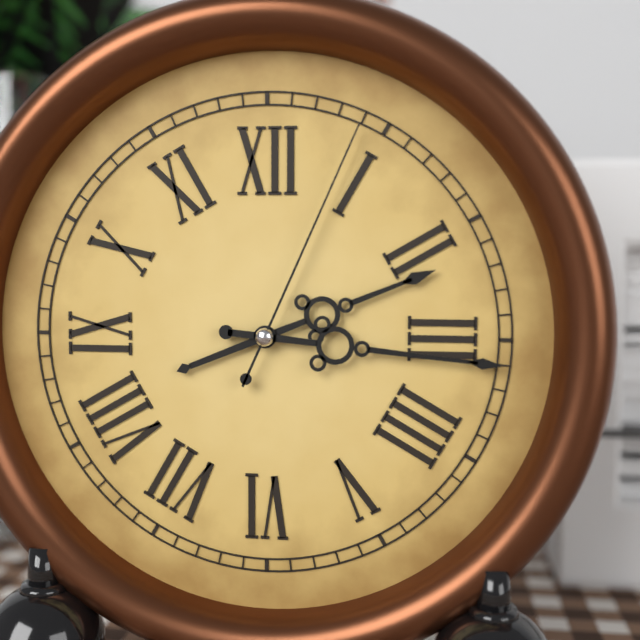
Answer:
2 h 16 min 04 s
